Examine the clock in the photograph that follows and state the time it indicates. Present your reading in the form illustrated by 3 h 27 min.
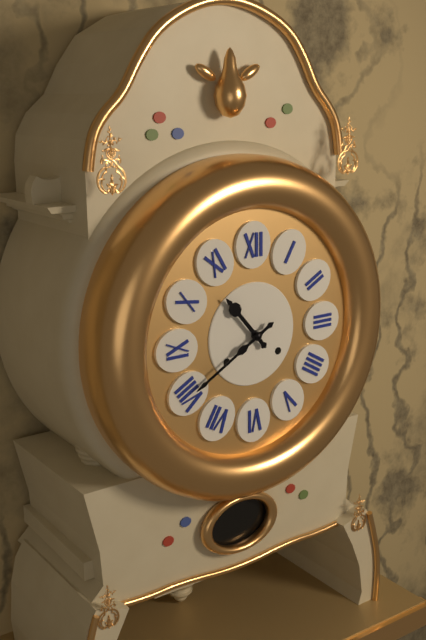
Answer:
10 h 40 min
